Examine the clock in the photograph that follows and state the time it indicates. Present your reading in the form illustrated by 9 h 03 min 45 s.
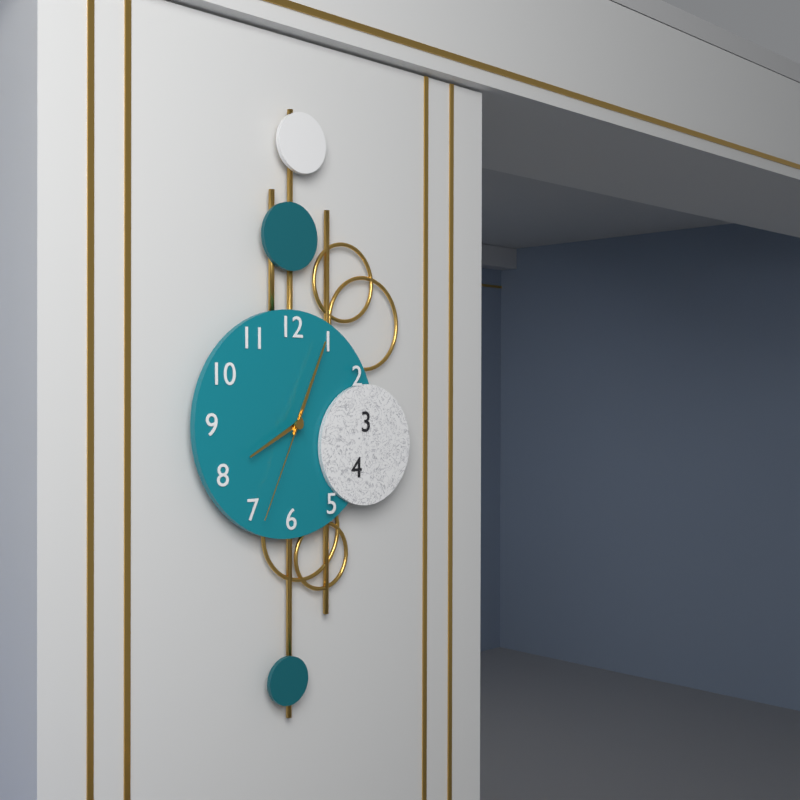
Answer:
8 h 04 min 34 s
